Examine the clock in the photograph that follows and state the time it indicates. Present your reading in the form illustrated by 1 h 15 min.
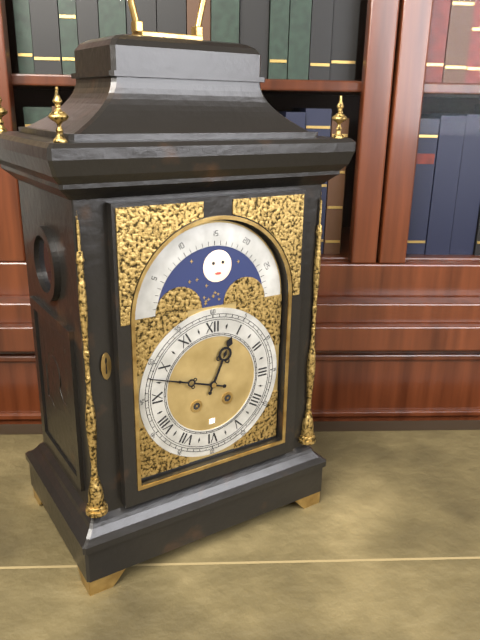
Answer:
12 h 48 min
